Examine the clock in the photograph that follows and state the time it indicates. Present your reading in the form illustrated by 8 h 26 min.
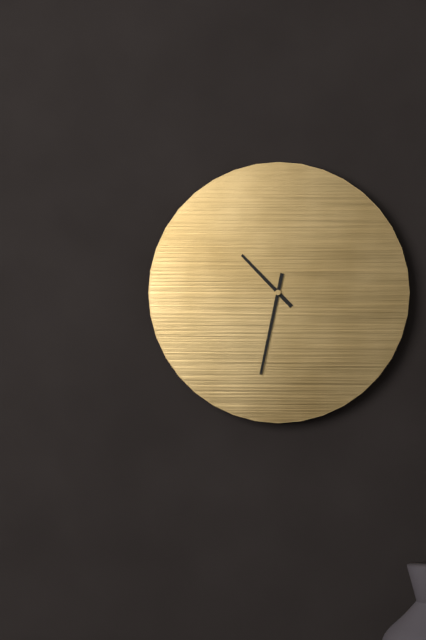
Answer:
10 h 32 min
